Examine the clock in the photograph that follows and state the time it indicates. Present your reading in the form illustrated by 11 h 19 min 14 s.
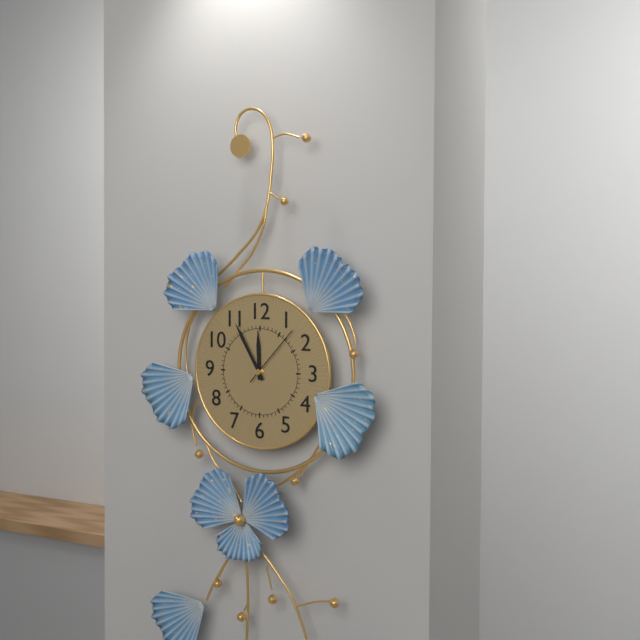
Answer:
11 h 55 min 07 s
